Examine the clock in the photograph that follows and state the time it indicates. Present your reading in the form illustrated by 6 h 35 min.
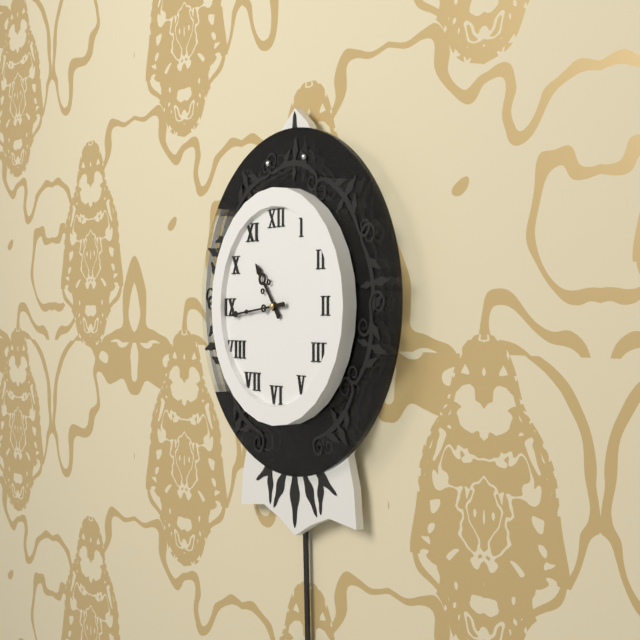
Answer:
10 h 44 min
